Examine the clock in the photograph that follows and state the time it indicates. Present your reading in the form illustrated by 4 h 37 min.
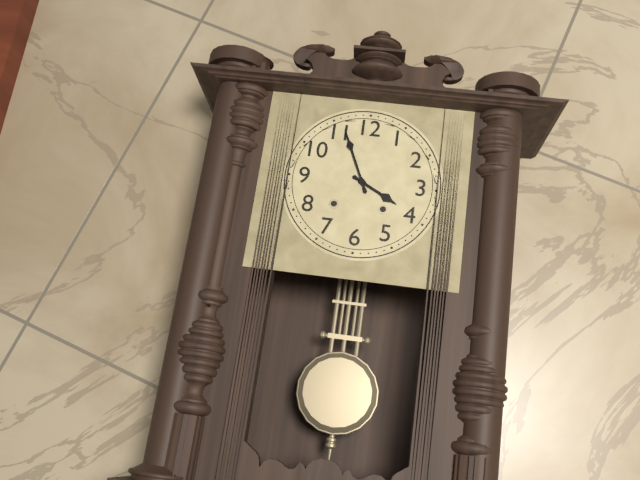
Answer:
3 h 56 min
